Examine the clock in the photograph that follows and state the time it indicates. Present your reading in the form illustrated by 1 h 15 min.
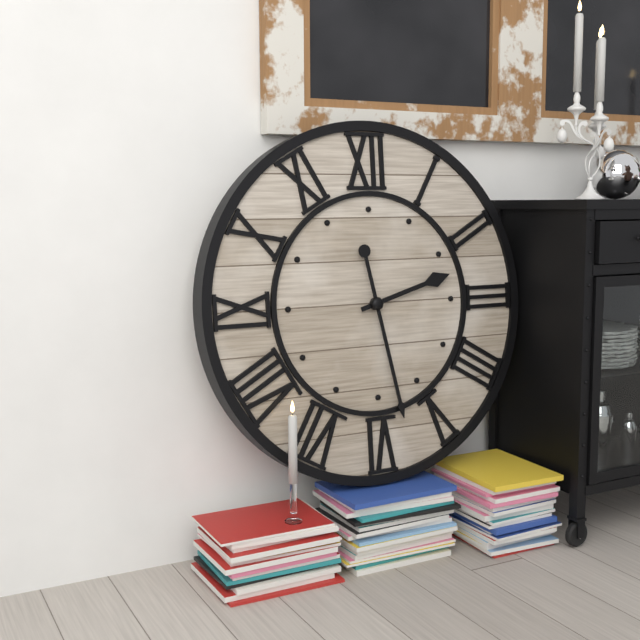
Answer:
2 h 28 min
